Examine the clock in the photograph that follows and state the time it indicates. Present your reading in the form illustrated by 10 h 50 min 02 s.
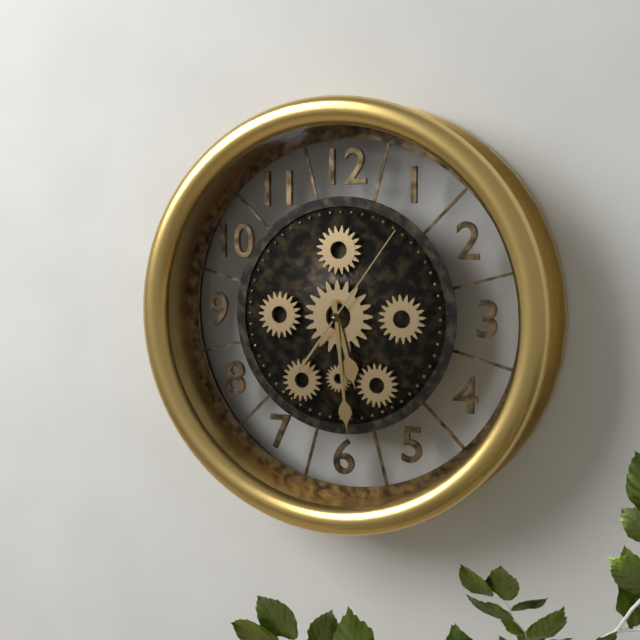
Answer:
5 h 29 min 06 s
